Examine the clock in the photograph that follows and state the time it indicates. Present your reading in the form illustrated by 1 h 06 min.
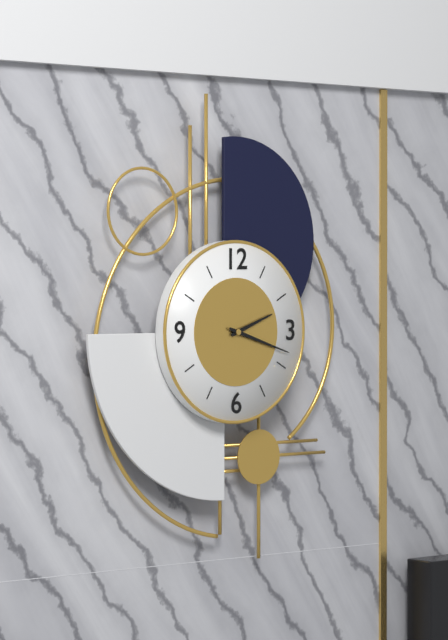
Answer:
2 h 18 min
